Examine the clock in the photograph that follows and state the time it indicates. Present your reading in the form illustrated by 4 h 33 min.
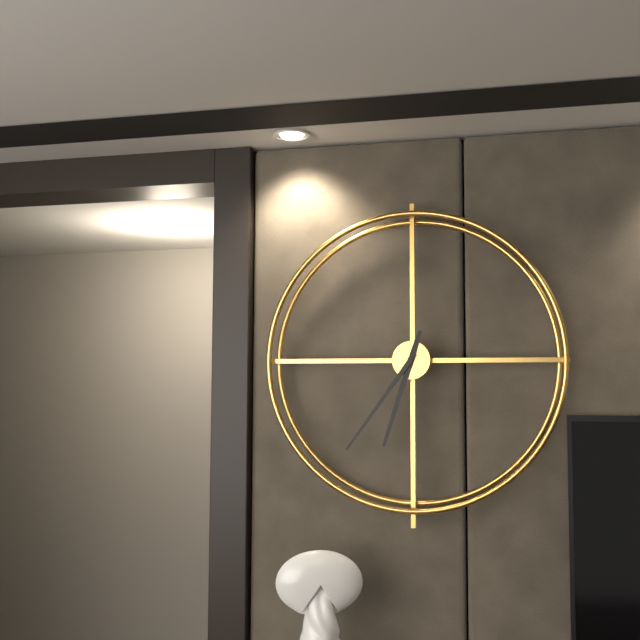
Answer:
6 h 36 min
